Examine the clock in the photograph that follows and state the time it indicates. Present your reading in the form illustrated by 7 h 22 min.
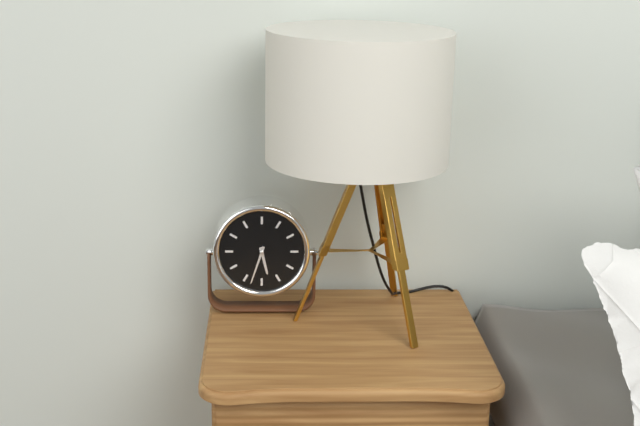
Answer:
5 h 33 min
